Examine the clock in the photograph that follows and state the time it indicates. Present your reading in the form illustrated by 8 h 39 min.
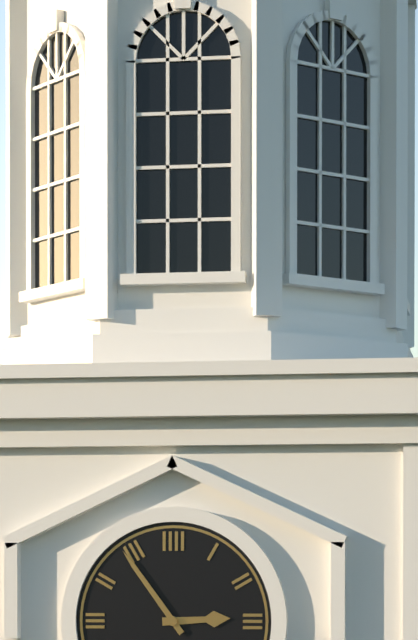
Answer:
2 h 54 min
